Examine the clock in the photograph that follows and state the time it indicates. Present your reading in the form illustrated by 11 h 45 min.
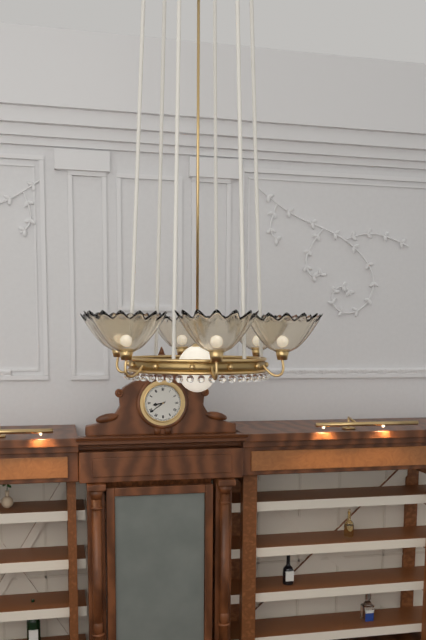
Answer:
8 h 39 min
